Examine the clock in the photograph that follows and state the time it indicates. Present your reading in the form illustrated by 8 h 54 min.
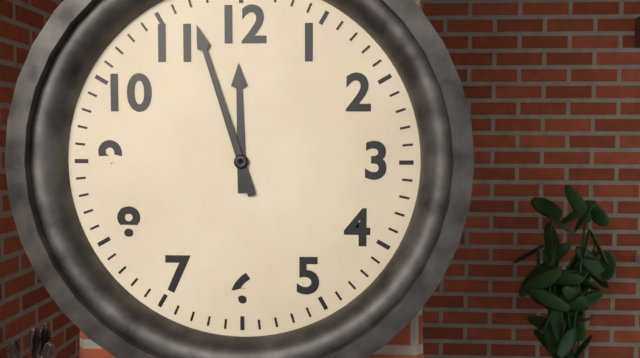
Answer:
11 h 57 min
